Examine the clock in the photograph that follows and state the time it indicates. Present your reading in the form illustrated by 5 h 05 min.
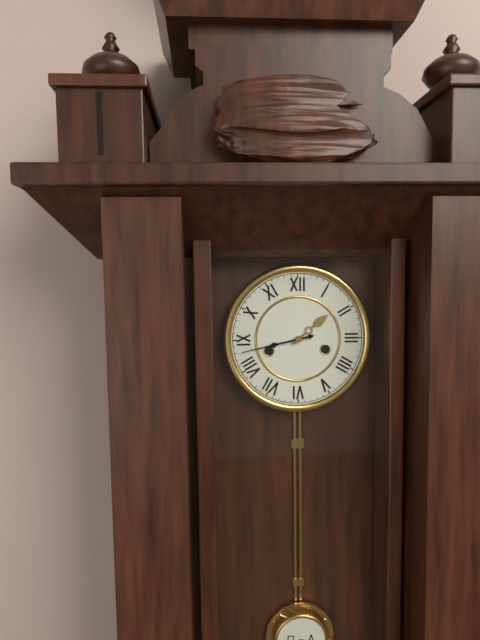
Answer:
1 h 43 min
